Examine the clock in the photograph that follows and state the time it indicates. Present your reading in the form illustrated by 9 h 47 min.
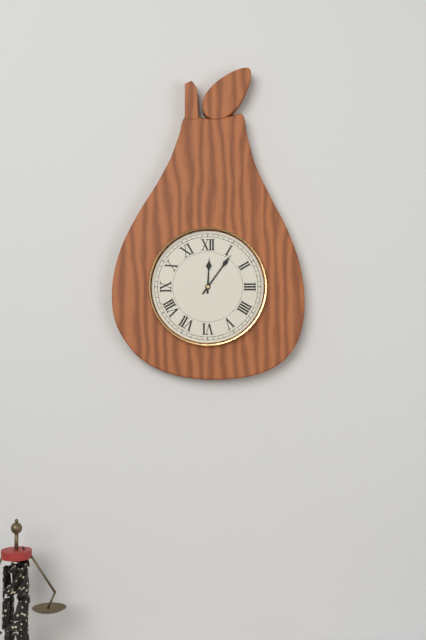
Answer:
12 h 06 min
